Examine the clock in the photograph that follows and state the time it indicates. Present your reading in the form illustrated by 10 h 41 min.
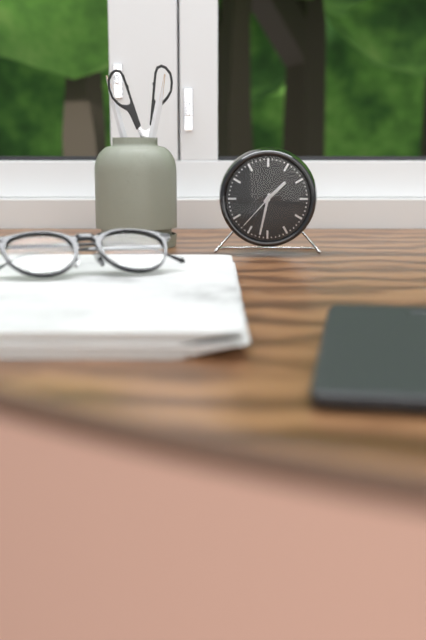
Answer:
1 h 32 min
